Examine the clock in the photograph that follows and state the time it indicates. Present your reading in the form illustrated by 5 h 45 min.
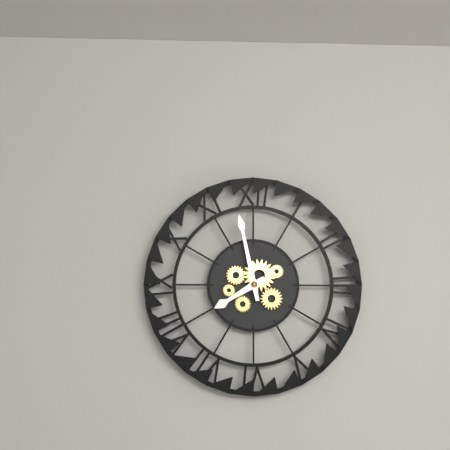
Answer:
7 h 58 min
